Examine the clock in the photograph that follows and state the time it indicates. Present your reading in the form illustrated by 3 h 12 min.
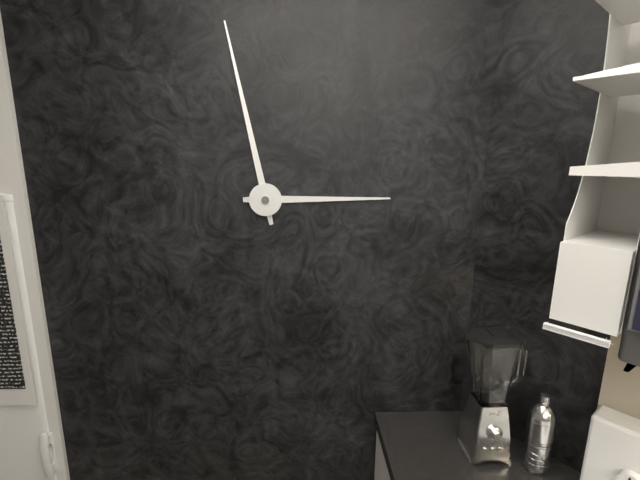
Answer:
2 h 58 min
